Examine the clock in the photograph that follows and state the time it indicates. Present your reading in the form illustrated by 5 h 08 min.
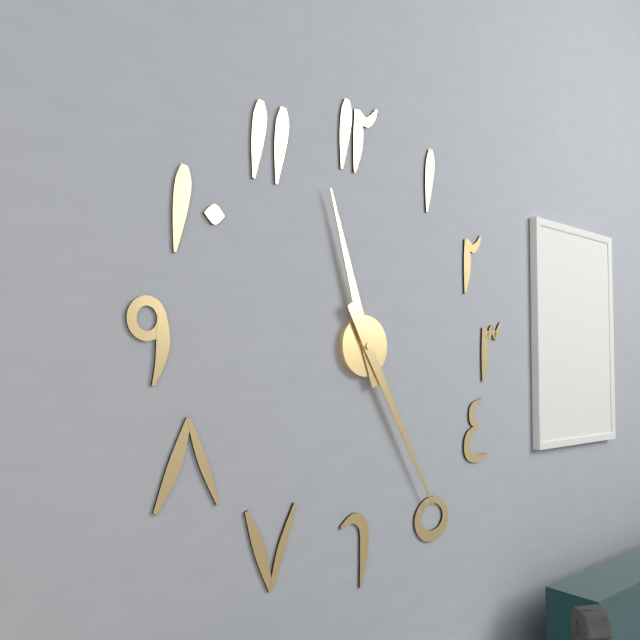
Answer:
11 h 25 min
